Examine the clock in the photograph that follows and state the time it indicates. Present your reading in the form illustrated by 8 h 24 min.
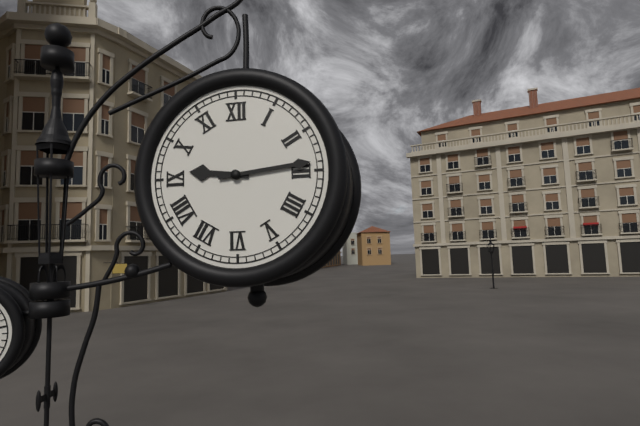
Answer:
9 h 14 min
